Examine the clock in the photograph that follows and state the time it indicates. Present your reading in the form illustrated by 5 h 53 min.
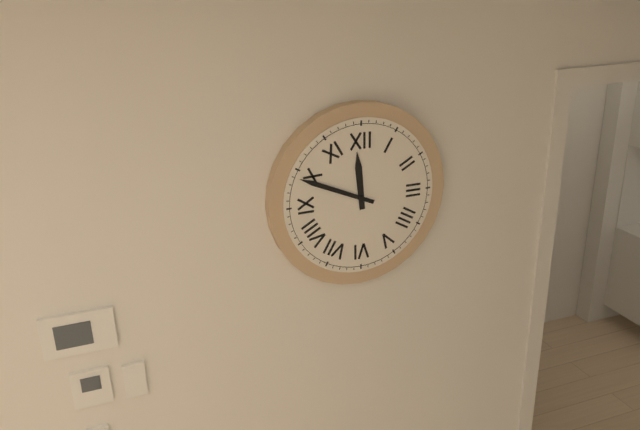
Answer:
11 h 49 min
